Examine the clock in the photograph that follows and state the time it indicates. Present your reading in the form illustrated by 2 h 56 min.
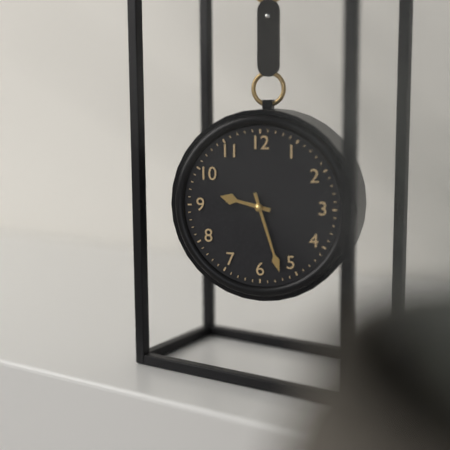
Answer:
9 h 27 min
